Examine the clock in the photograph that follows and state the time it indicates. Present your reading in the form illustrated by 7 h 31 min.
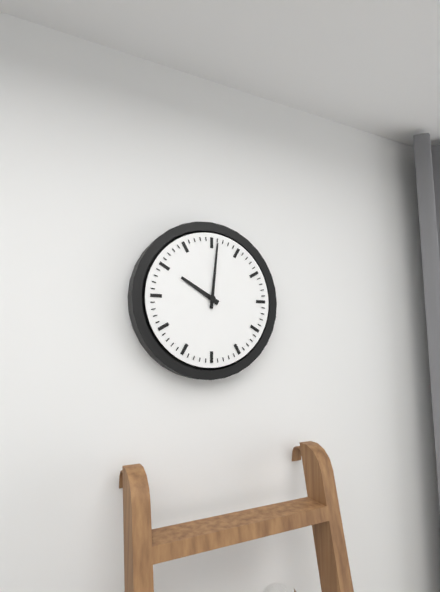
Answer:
10 h 01 min
